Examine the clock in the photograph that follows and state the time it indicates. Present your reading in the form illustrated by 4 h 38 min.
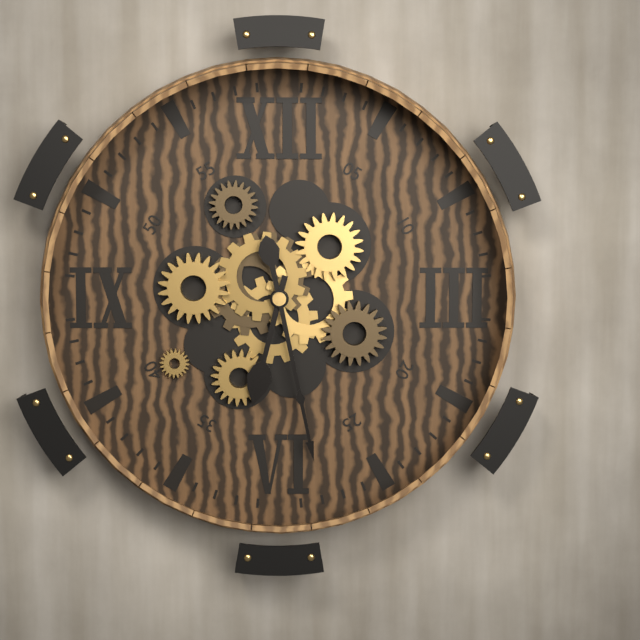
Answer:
6 h 28 min
